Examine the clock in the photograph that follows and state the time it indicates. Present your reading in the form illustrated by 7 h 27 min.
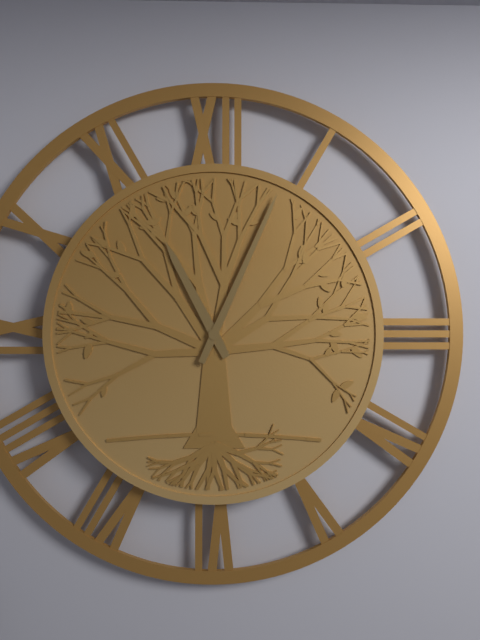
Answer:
11 h 04 min
